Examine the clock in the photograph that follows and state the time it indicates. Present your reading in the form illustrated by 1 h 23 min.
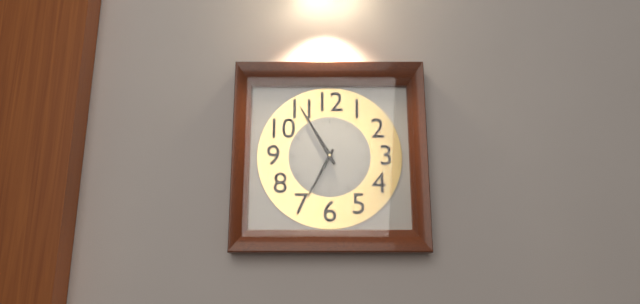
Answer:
6 h 55 min
